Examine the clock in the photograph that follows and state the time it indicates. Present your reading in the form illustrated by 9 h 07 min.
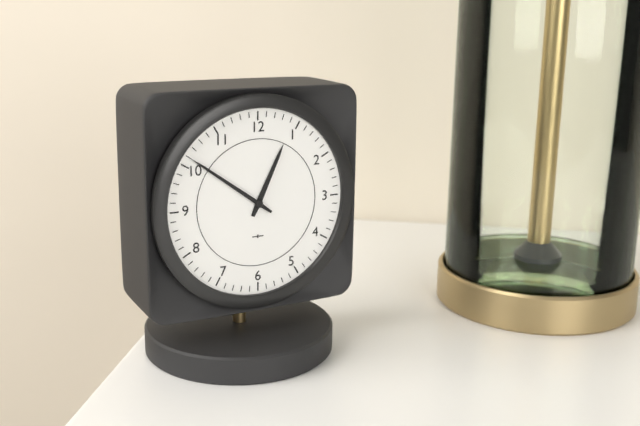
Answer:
12 h 51 min
